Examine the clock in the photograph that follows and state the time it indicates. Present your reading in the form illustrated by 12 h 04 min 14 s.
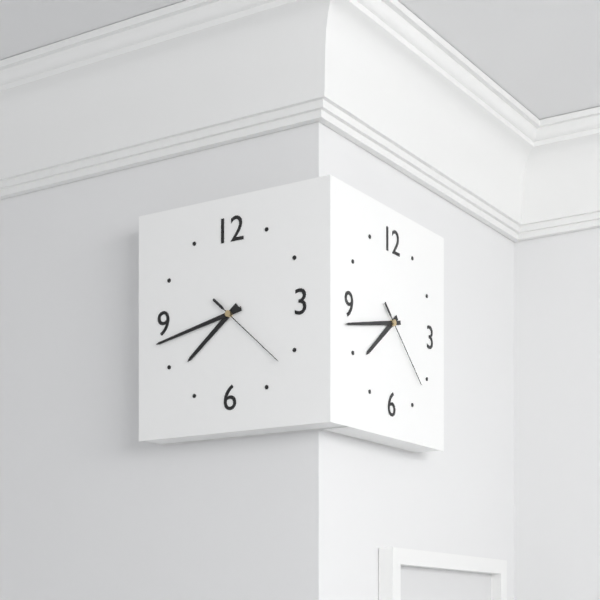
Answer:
7 h 43 min 22 s
